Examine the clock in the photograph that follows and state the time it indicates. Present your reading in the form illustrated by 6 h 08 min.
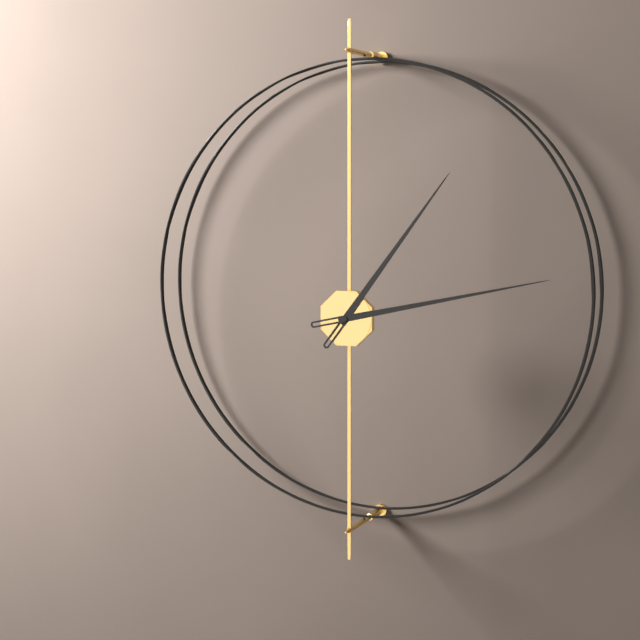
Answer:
1 h 13 min
